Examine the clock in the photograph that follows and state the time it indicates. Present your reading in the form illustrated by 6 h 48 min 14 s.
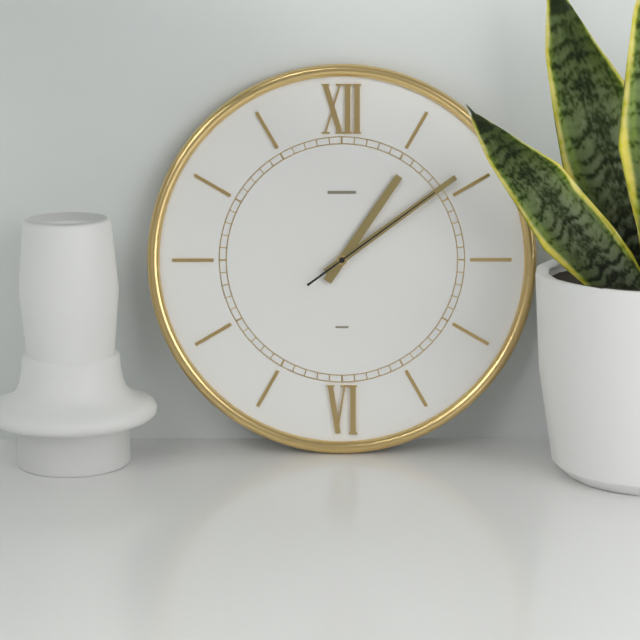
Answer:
1 h 09 min 09 s
